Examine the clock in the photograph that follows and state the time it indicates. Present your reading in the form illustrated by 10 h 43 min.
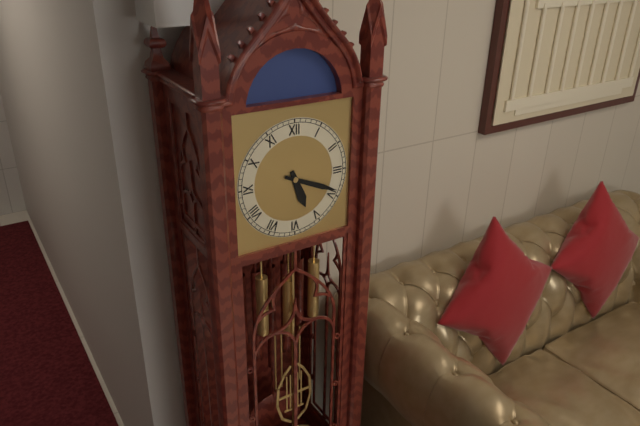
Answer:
5 h 19 min
